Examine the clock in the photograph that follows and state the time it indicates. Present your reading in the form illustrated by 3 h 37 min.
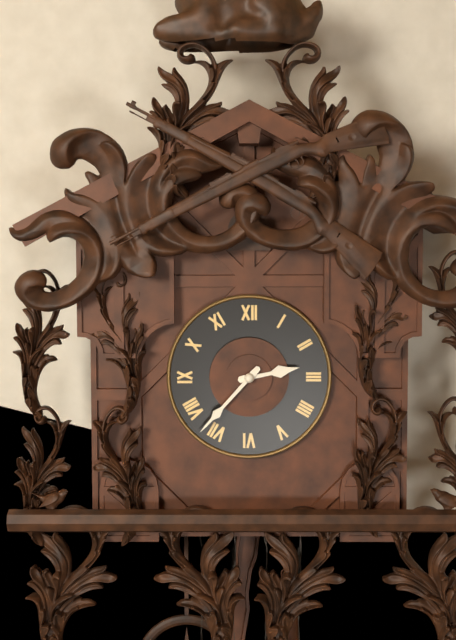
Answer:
2 h 37 min
